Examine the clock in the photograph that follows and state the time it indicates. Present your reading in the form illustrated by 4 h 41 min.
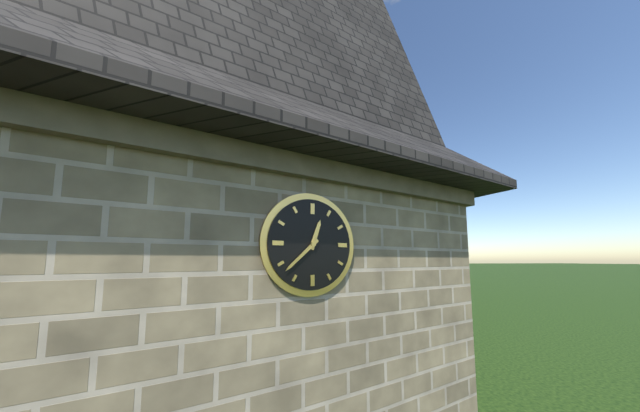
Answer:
12 h 38 min
